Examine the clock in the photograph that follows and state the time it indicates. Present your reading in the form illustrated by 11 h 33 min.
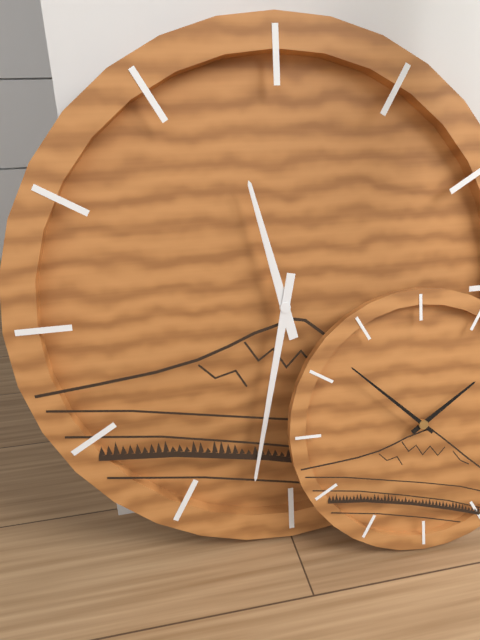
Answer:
11 h 32 min
